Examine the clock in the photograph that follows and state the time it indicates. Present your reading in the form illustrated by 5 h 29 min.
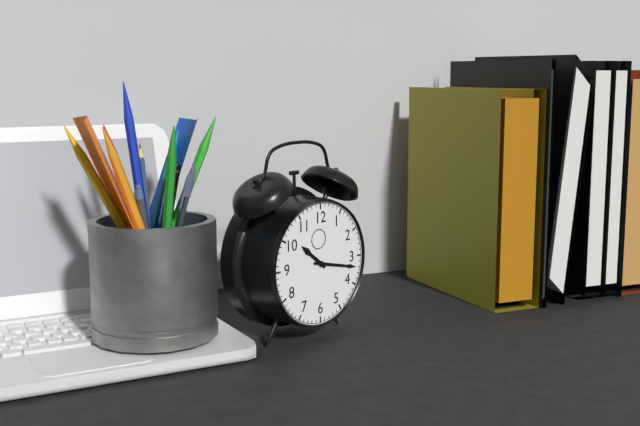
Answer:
10 h 17 min
